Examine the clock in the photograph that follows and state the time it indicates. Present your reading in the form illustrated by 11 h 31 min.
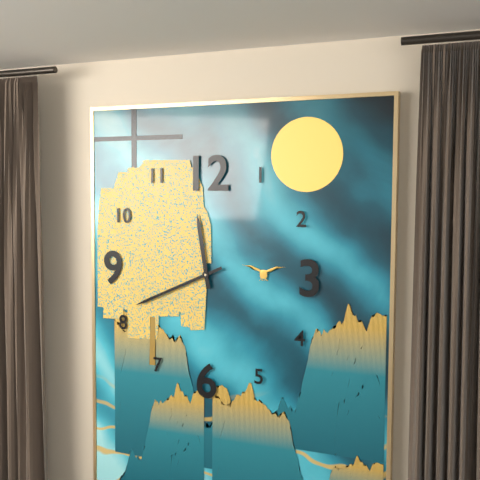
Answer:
11 h 41 min
